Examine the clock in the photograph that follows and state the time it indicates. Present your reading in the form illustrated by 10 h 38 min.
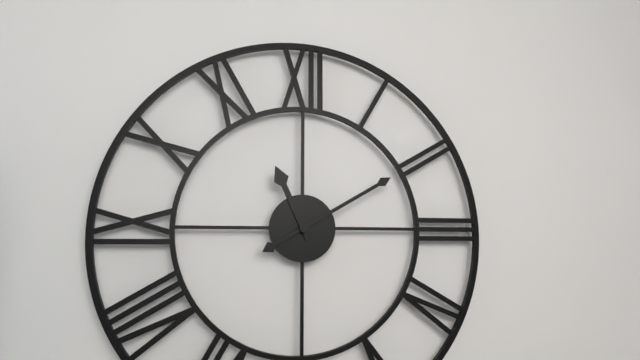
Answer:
11 h 10 min
